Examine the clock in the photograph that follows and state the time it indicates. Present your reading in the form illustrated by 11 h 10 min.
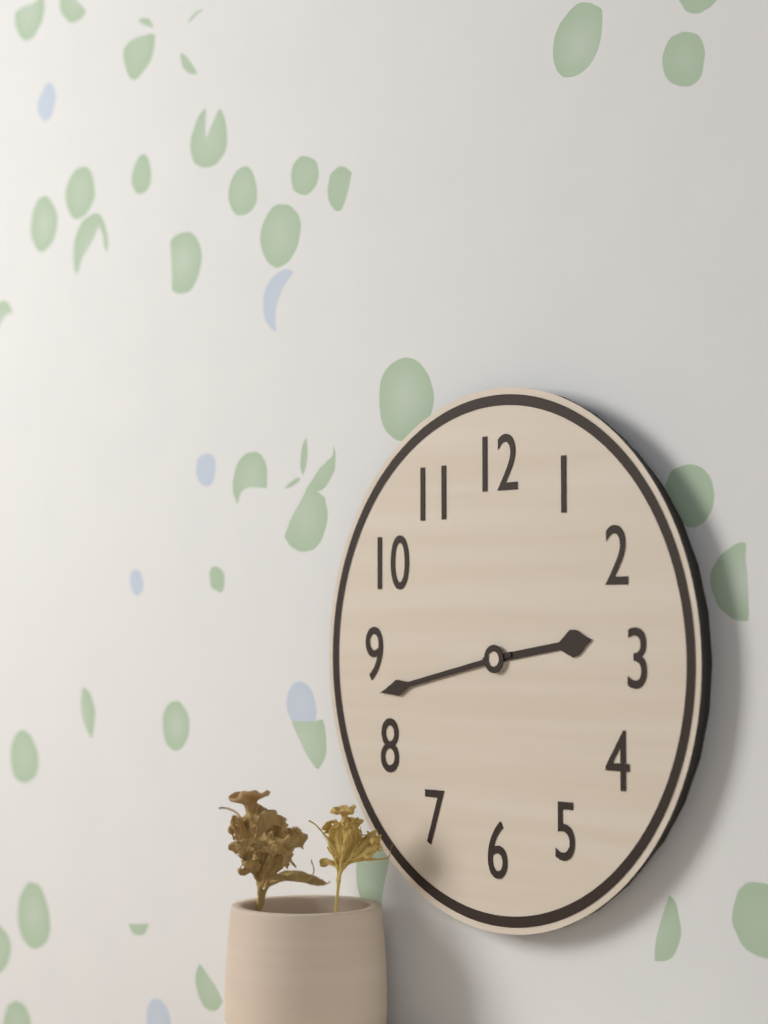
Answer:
2 h 43 min
